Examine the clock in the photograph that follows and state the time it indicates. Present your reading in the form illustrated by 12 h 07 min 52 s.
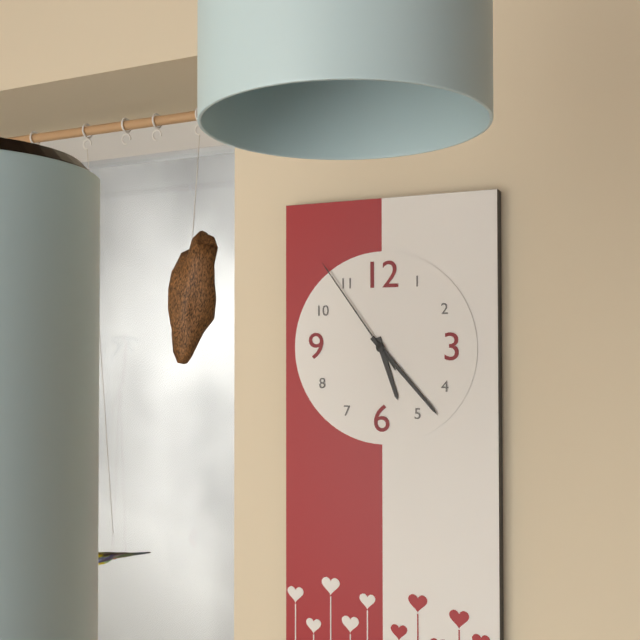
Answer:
5 h 23 min 54 s
